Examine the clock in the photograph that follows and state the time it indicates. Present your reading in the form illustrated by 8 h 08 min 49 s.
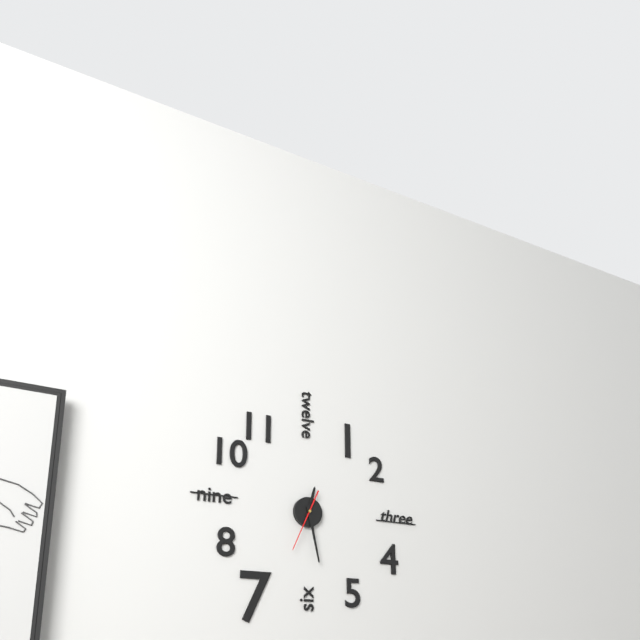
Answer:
12 h 28 min 34 s
